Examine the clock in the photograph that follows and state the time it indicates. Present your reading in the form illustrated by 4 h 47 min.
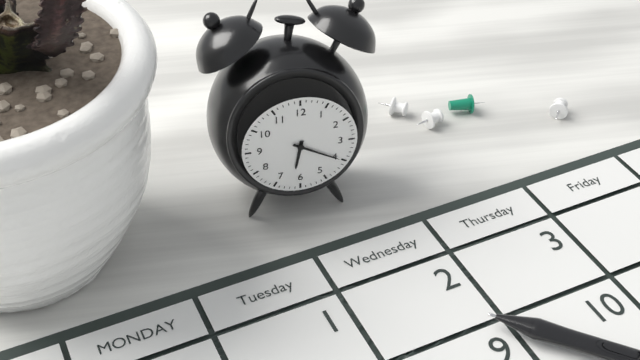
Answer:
6 h 20 min
